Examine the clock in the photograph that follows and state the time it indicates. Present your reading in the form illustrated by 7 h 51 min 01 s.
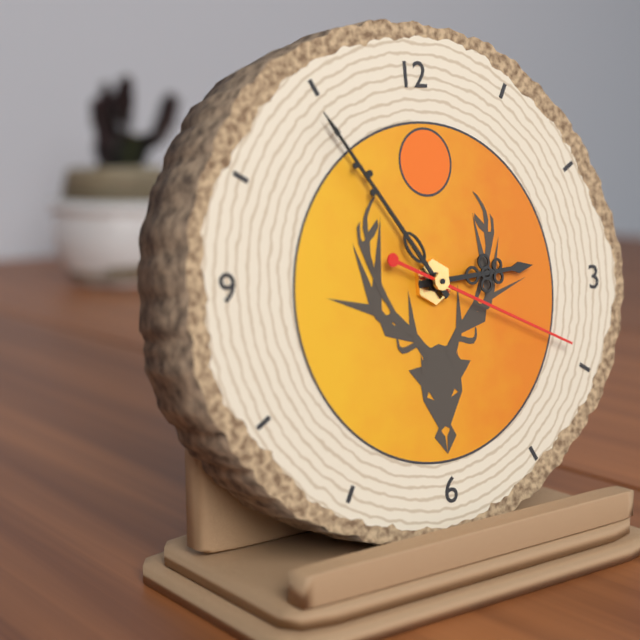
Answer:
2 h 54 min 19 s
